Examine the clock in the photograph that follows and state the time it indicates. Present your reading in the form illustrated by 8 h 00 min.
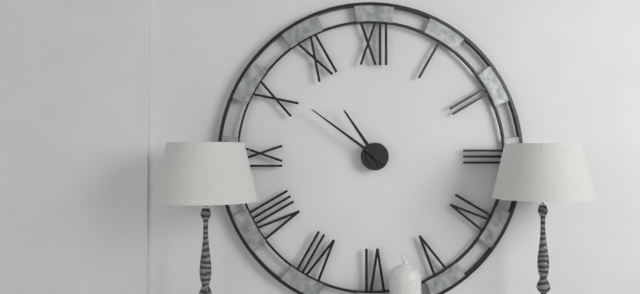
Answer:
10 h 51 min
